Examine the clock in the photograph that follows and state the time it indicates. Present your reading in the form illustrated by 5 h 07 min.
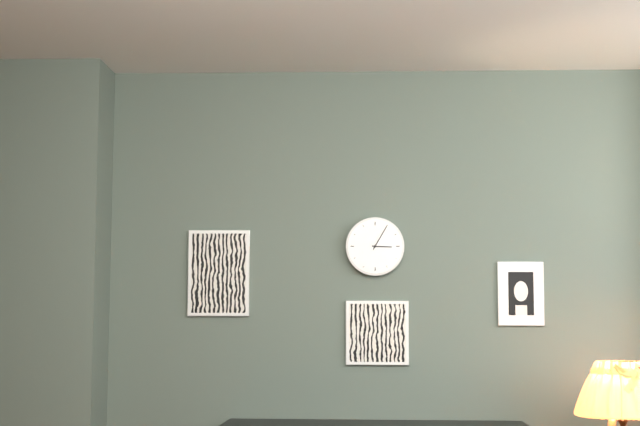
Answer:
3 h 05 min
